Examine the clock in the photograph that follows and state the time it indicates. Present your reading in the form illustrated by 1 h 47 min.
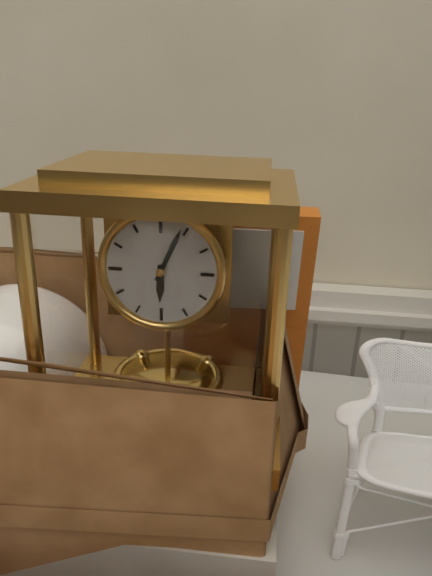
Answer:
6 h 04 min
